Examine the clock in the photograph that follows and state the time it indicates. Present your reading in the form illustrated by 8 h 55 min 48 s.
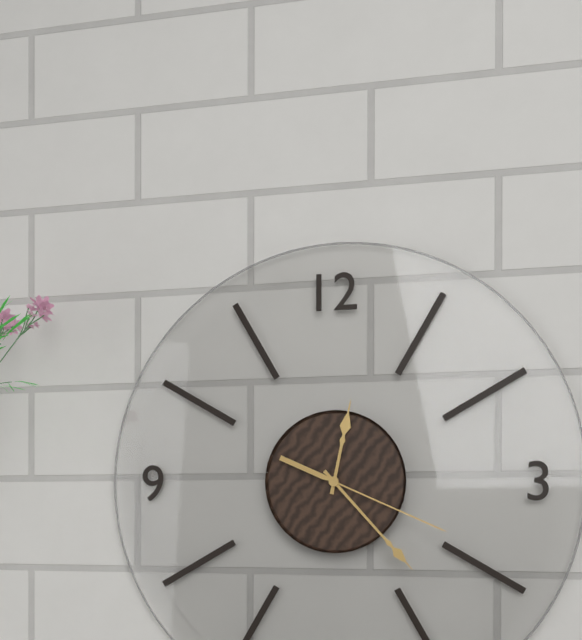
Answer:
12 h 23 min 19 s
